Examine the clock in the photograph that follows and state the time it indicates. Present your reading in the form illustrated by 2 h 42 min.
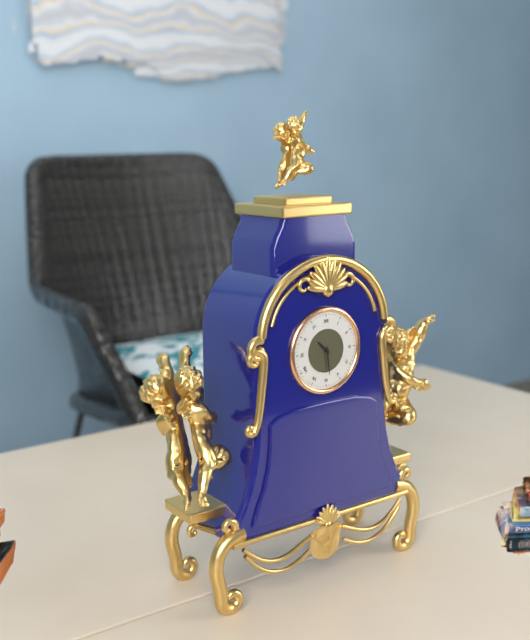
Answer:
10 h 29 min
